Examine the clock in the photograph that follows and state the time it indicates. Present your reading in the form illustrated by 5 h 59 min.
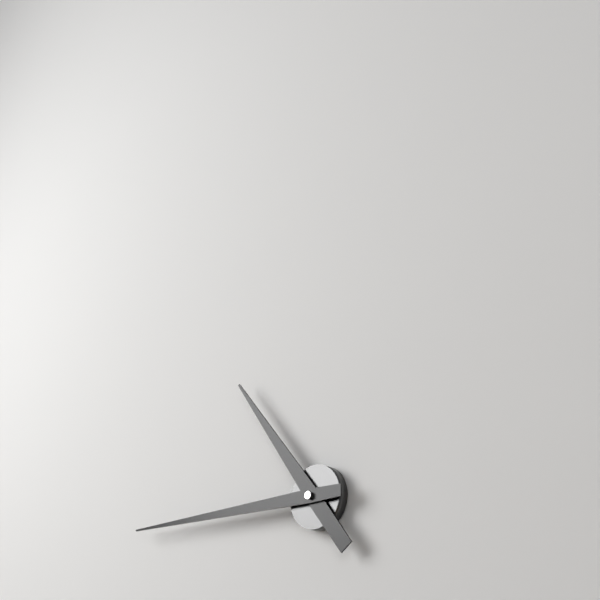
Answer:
10 h 45 min
